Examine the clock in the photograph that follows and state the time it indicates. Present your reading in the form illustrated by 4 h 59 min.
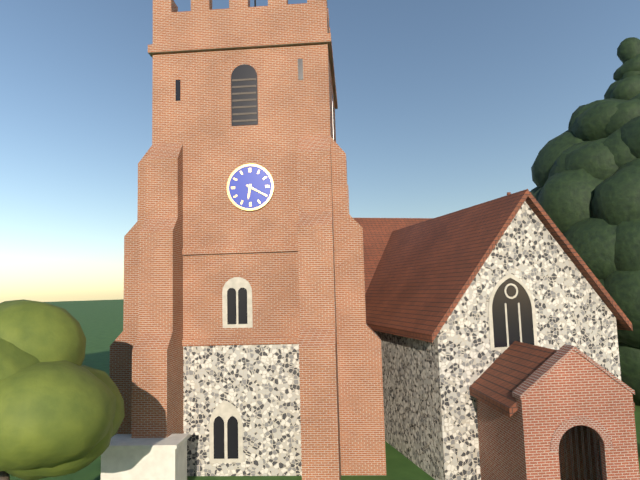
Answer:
6 h 20 min
